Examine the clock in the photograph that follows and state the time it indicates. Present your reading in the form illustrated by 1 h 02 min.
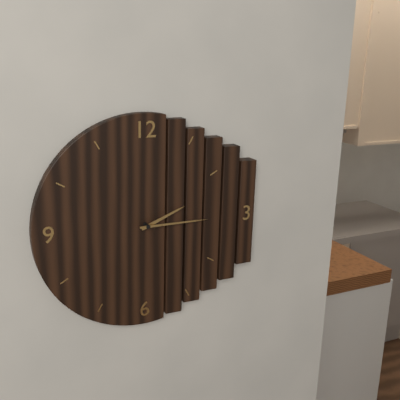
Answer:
2 h 15 min
